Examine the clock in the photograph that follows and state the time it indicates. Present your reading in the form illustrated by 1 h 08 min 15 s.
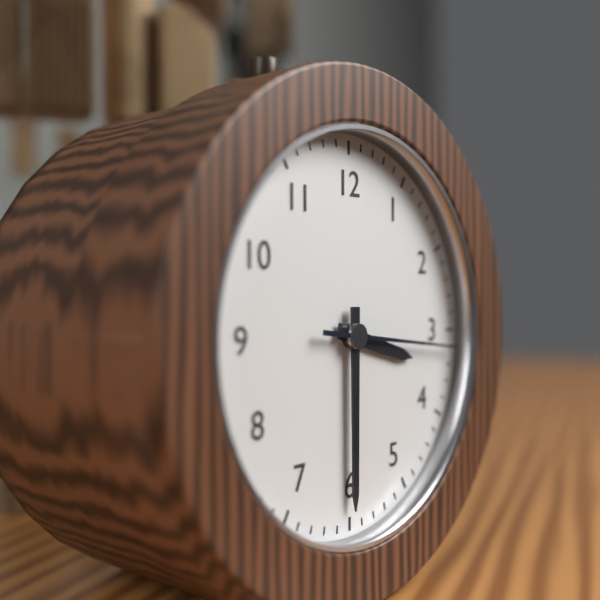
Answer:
3 h 30 min 16 s
